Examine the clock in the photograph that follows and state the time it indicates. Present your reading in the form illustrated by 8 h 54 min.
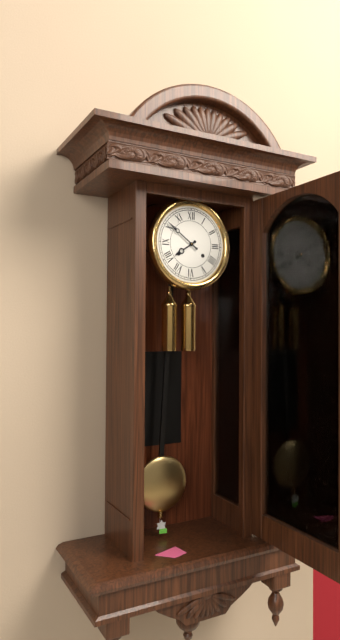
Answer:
7 h 51 min
